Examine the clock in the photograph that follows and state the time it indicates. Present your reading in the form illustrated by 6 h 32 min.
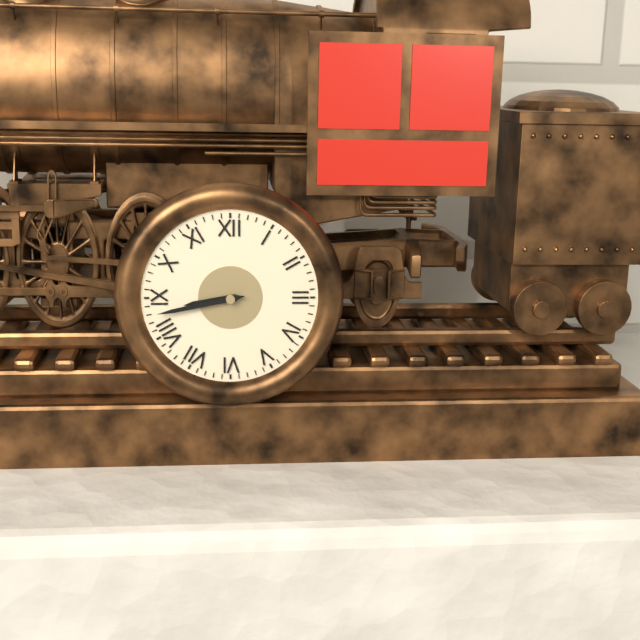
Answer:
8 h 43 min
